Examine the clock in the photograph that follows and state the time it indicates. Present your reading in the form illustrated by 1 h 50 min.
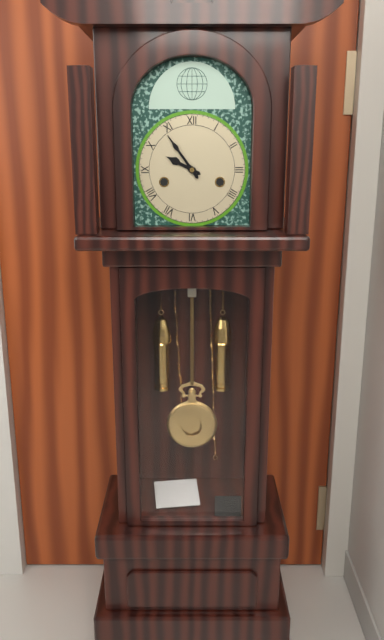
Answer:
9 h 54 min
